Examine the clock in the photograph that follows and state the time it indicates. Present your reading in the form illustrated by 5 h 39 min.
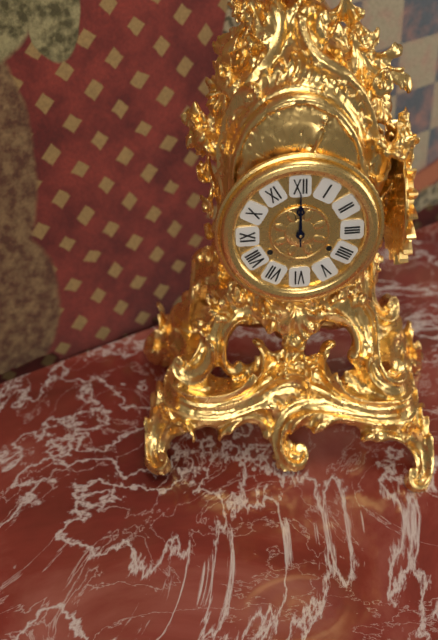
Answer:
12 h 00 min
